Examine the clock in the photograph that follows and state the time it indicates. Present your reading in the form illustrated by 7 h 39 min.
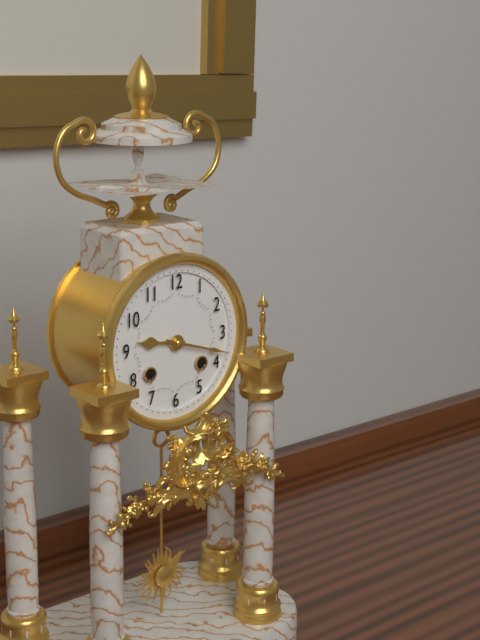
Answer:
9 h 18 min
